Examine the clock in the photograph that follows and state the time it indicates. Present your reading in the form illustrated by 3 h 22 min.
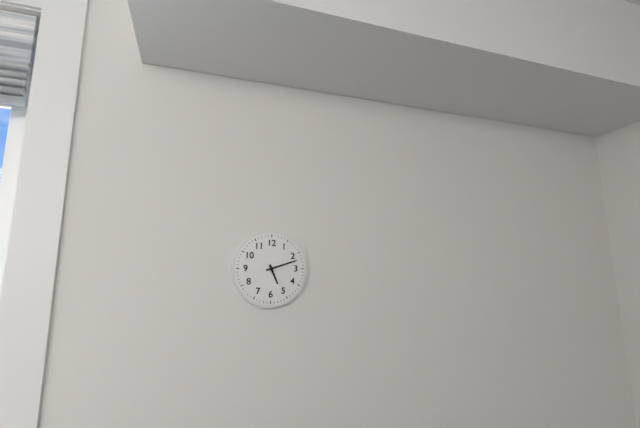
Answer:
5 h 12 min
